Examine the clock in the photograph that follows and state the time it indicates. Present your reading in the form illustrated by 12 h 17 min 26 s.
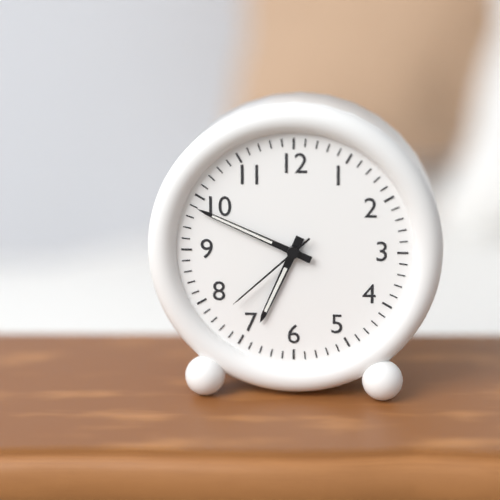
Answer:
6 h 49 min 38 s
